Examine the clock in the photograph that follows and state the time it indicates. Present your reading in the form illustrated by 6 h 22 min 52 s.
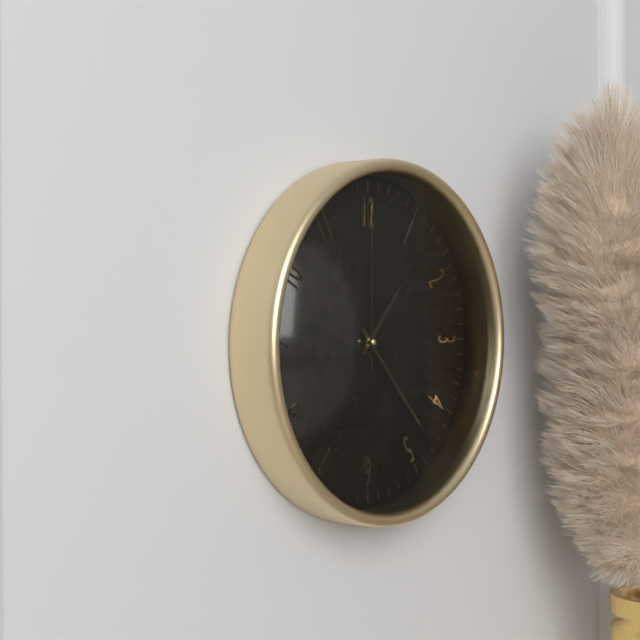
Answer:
1 h 23 min 00 s
